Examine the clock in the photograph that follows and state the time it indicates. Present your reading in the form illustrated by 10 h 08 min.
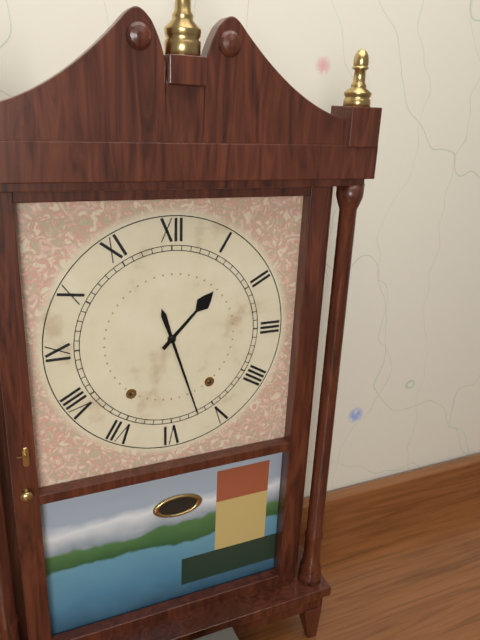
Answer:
1 h 27 min
